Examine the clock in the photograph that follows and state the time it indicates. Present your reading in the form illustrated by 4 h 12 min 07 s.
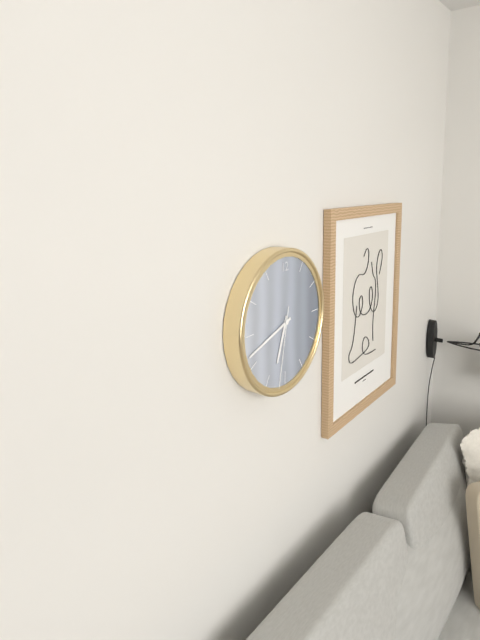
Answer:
6 h 42 min 32 s
